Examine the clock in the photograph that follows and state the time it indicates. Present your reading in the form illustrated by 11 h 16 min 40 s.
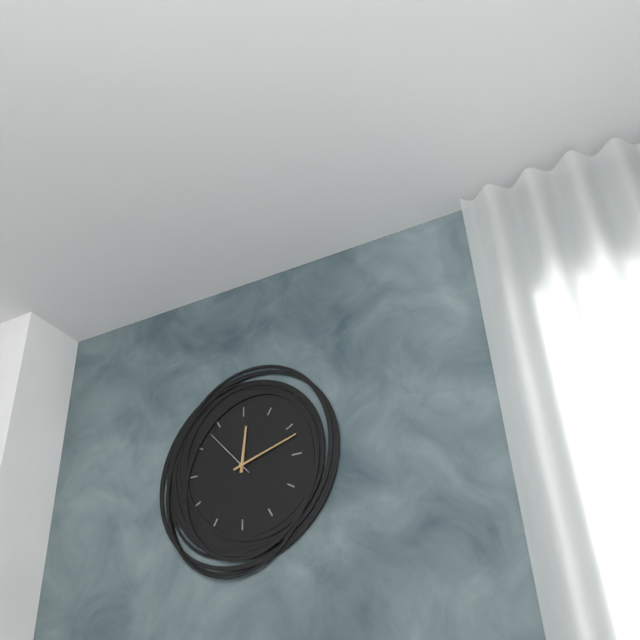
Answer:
12 h 12 min 53 s
